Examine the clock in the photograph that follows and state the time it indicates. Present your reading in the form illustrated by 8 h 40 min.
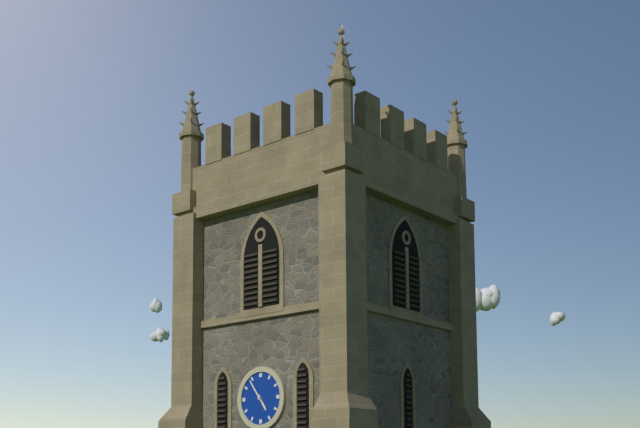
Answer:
4 h 54 min
